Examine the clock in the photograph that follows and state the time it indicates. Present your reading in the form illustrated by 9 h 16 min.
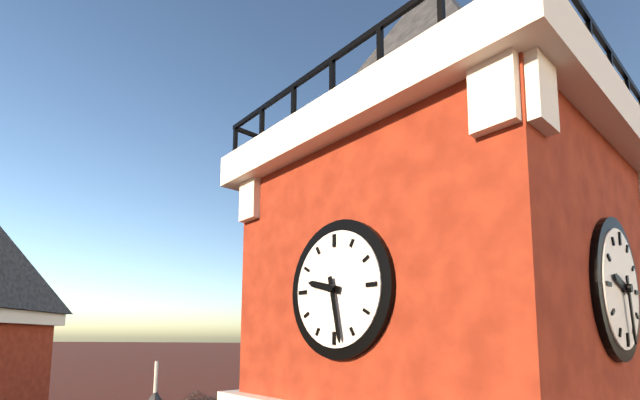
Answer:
9 h 28 min
